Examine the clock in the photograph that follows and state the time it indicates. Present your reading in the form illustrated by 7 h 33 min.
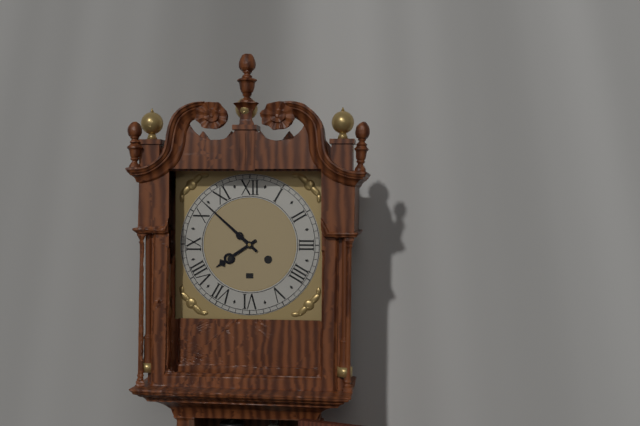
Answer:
7 h 52 min
